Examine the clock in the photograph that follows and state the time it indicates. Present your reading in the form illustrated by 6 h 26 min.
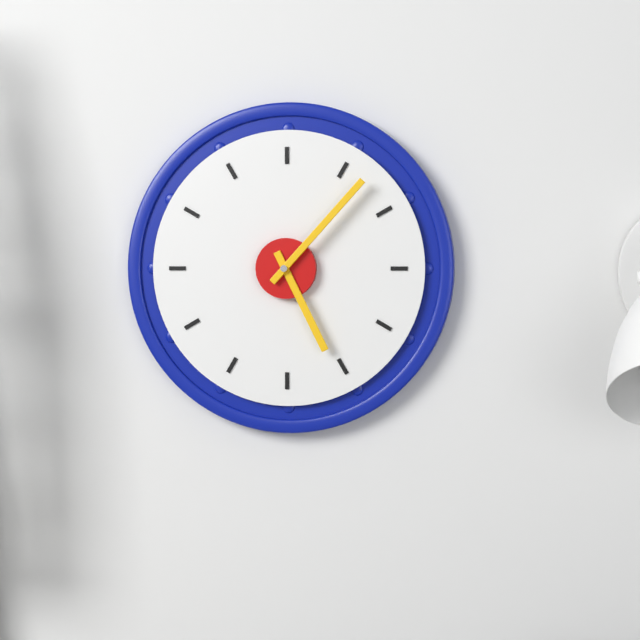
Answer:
5 h 07 min
